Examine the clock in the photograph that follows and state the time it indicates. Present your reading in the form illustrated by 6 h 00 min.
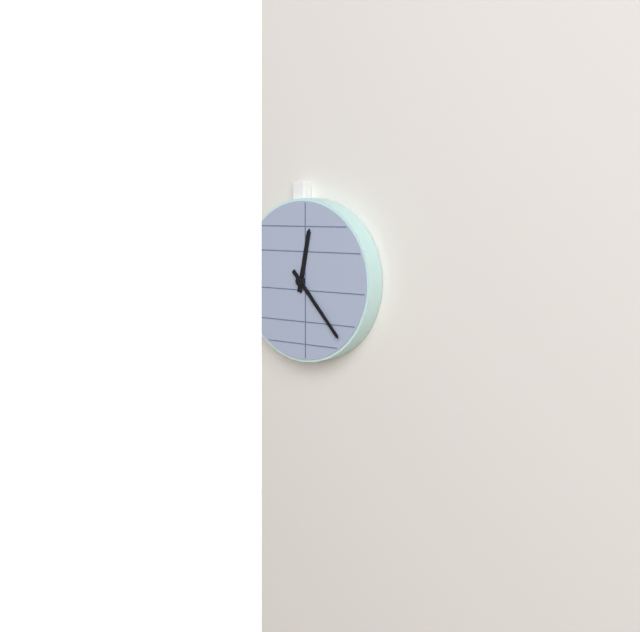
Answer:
12 h 23 min
